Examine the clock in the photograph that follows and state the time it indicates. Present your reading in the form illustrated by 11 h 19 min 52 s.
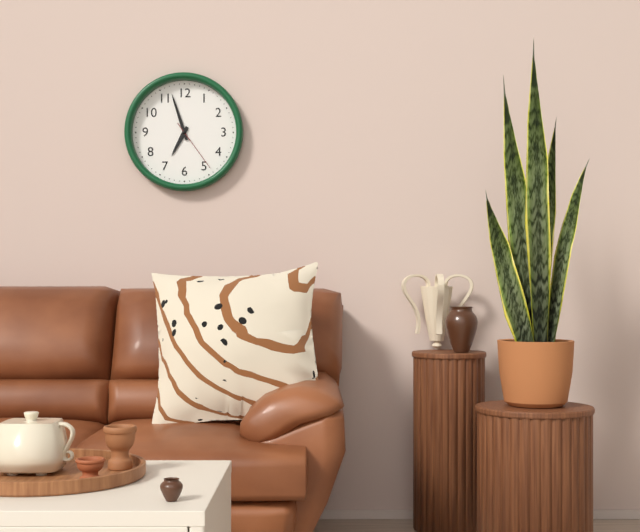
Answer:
6 h 57 min 24 s
